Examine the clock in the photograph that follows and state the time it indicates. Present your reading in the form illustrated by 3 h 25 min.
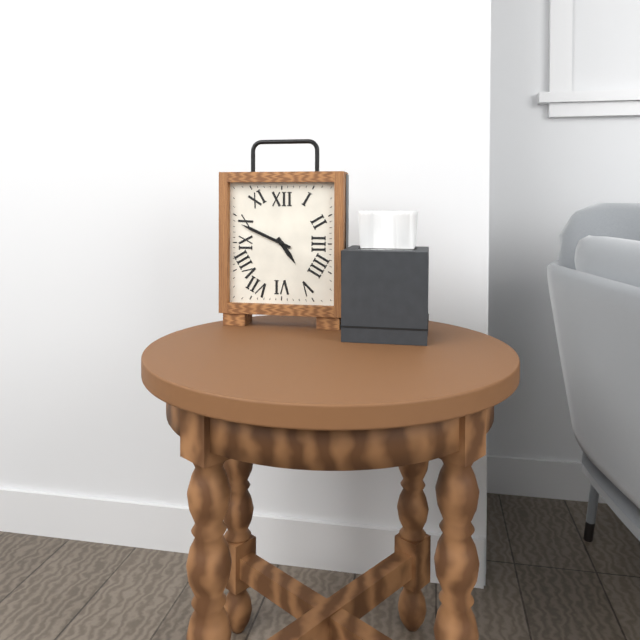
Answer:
4 h 49 min
